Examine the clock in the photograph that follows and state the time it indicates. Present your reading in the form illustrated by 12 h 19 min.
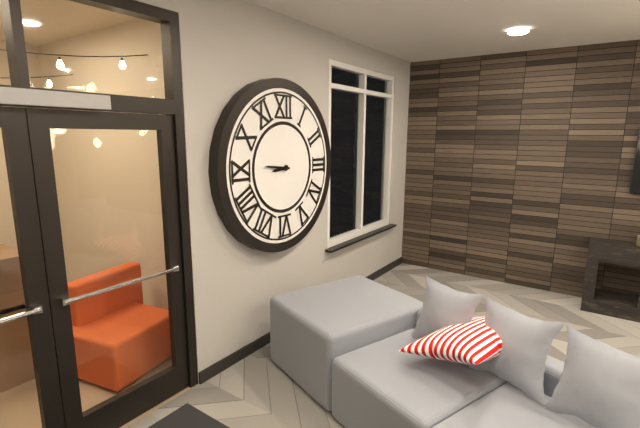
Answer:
8 h 46 min
